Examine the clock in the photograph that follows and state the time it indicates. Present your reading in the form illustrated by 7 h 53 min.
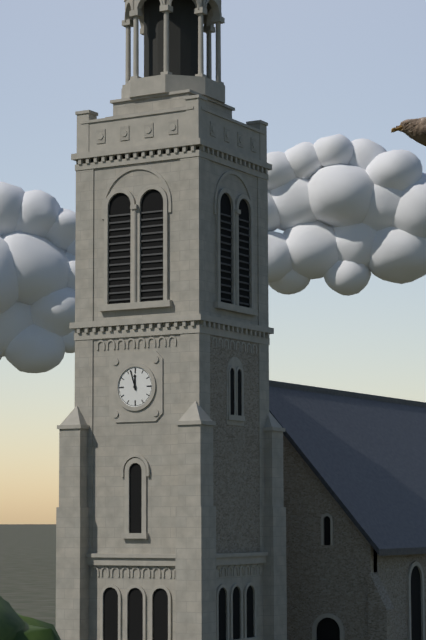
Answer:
11 h 57 min
